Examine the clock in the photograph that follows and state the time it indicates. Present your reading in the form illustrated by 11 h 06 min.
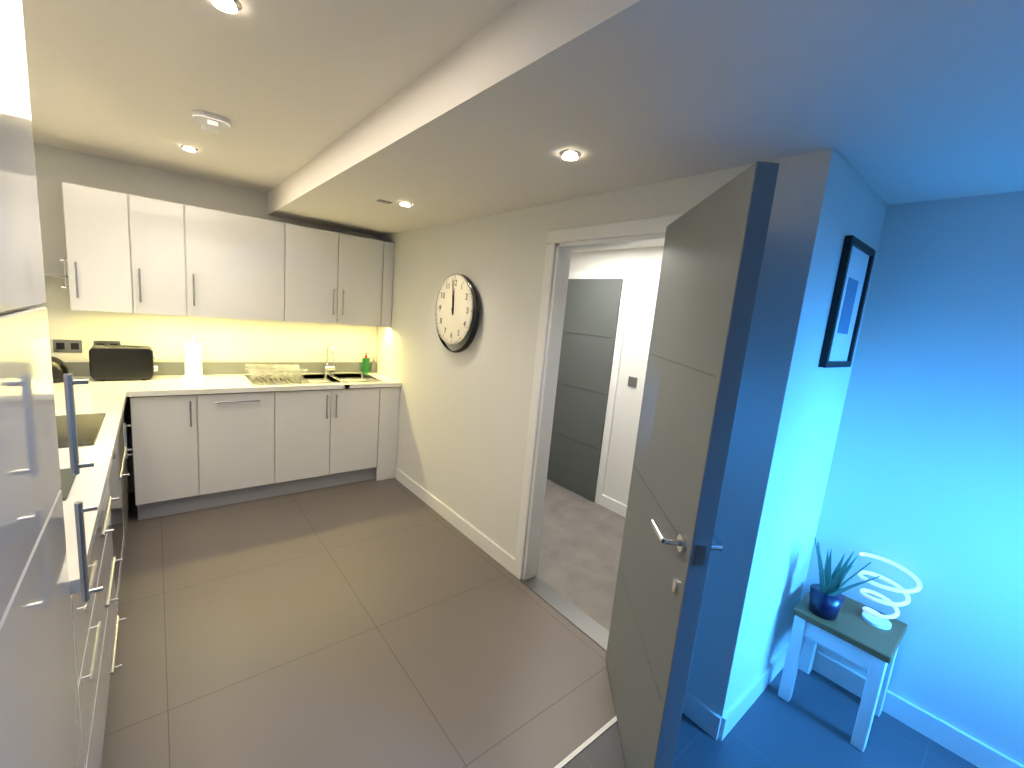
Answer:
11 h 59 min
